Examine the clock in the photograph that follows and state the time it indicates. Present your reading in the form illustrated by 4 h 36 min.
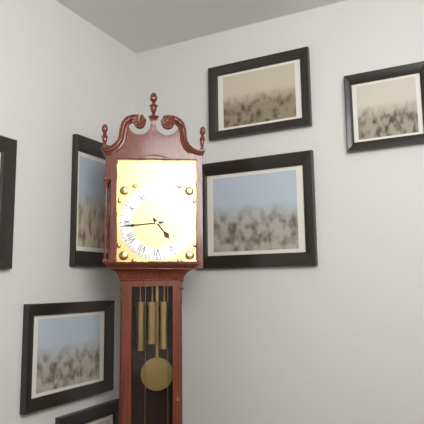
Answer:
4 h 44 min
